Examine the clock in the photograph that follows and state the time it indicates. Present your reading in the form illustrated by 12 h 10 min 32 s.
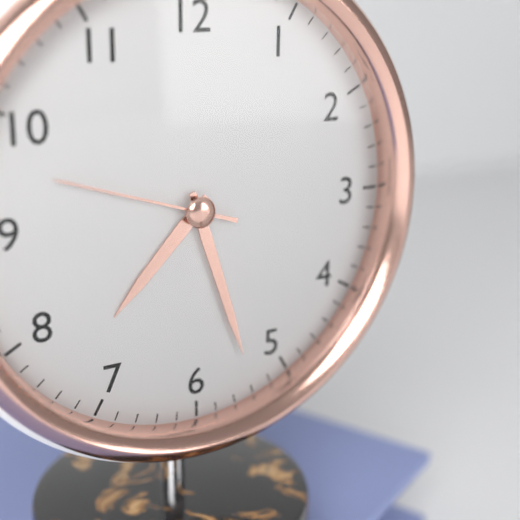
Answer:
7 h 27 min 48 s
